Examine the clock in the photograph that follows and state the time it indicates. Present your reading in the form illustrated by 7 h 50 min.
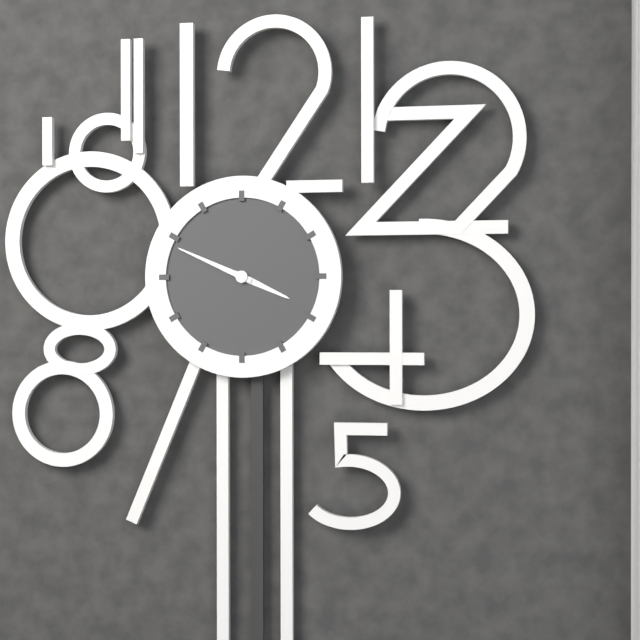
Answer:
3 h 49 min
